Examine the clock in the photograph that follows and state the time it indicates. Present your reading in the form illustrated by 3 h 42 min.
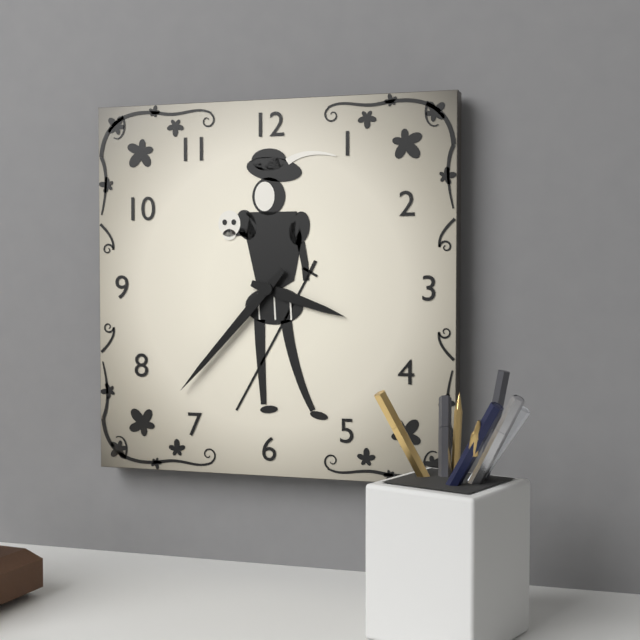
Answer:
3 h 37 min
